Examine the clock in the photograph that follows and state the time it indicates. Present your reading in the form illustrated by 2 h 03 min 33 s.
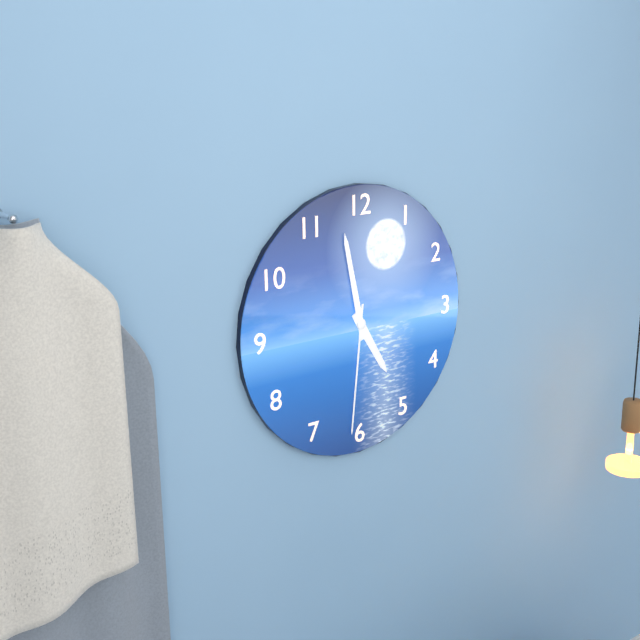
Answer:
4 h 58 min 31 s
